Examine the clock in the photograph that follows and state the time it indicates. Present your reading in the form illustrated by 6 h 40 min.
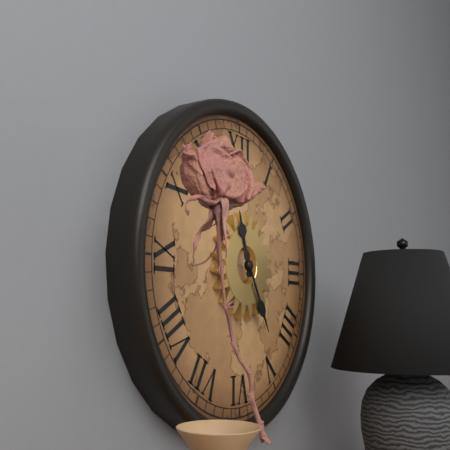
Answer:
11 h 25 min
